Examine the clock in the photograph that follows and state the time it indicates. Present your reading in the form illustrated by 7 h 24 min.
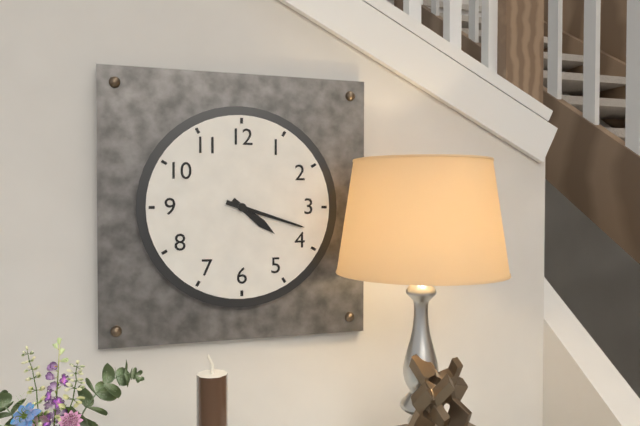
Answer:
4 h 18 min
